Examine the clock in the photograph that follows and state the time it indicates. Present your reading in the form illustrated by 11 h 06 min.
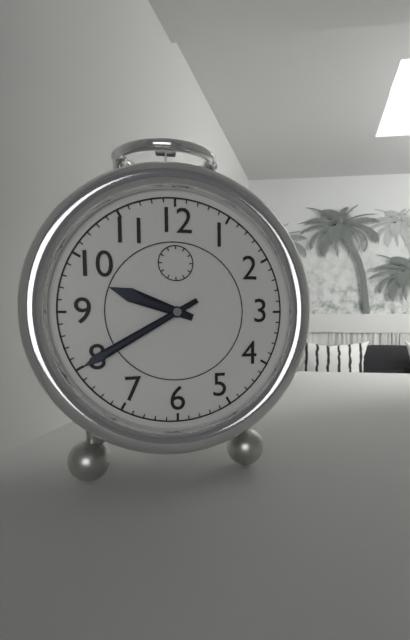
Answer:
9 h 40 min
